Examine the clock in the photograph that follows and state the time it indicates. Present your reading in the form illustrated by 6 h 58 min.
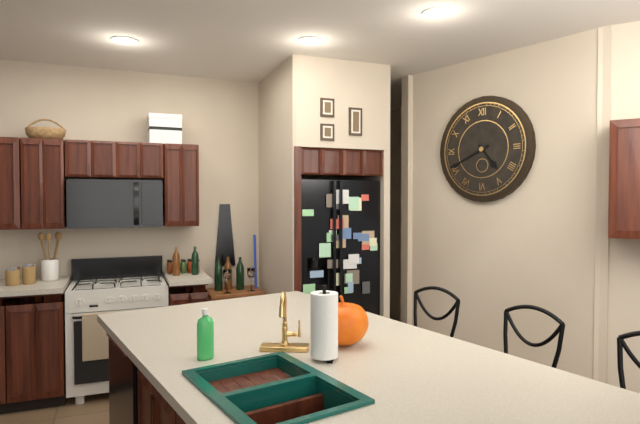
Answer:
4 h 41 min
